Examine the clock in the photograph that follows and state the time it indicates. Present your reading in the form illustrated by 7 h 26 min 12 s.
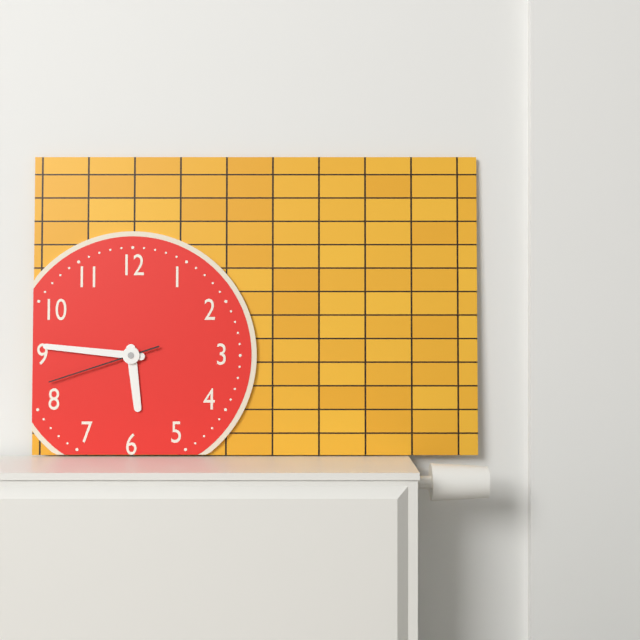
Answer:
5 h 46 min 42 s
